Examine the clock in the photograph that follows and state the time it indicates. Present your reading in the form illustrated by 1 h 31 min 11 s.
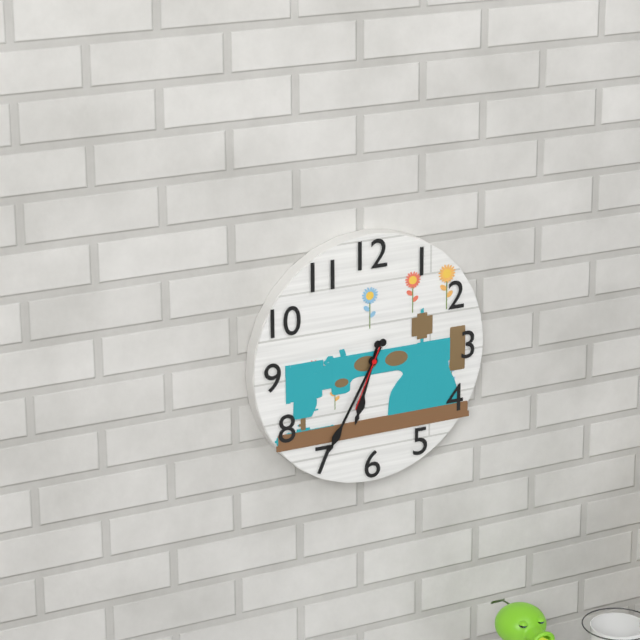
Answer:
6 h 35 min 34 s
